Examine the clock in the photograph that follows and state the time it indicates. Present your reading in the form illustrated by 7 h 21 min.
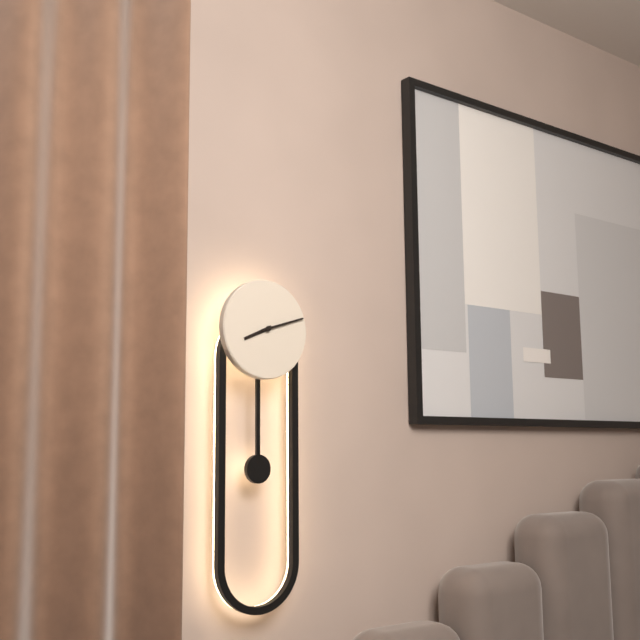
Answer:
8 h 12 min
